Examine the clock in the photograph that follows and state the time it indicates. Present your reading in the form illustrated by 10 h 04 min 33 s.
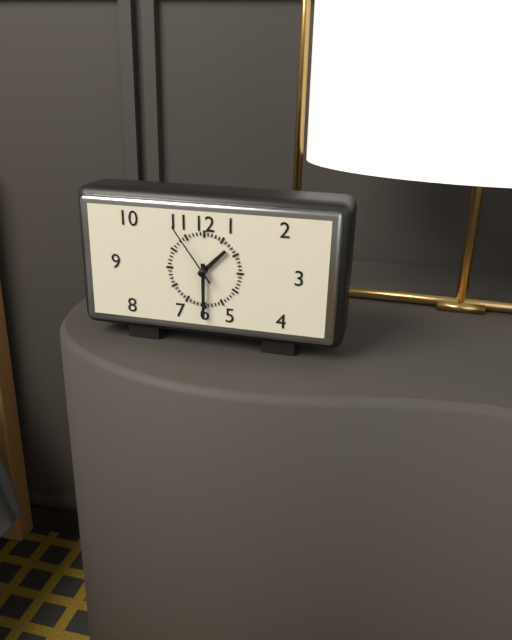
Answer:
1 h 30 min 54 s
